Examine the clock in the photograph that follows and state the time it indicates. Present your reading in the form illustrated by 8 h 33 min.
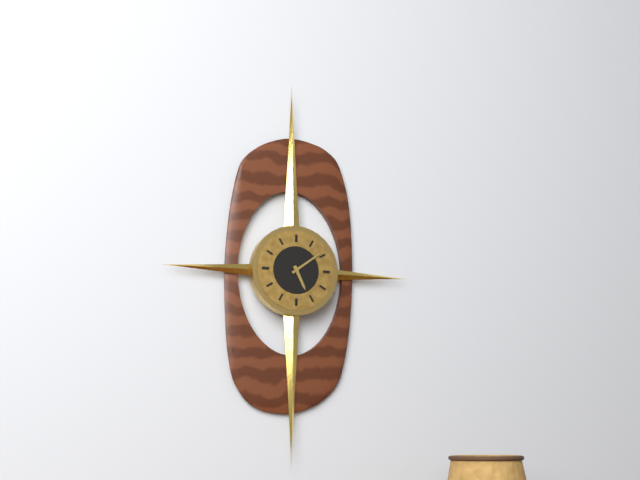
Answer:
5 h 09 min
